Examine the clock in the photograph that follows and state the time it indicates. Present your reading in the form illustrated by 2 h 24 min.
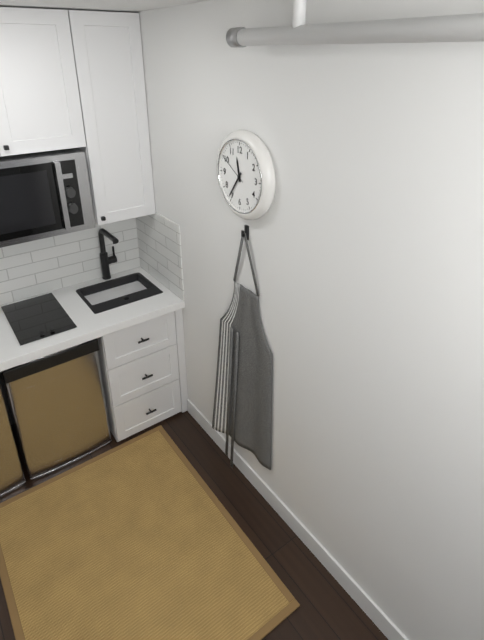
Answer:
11 h 36 min
